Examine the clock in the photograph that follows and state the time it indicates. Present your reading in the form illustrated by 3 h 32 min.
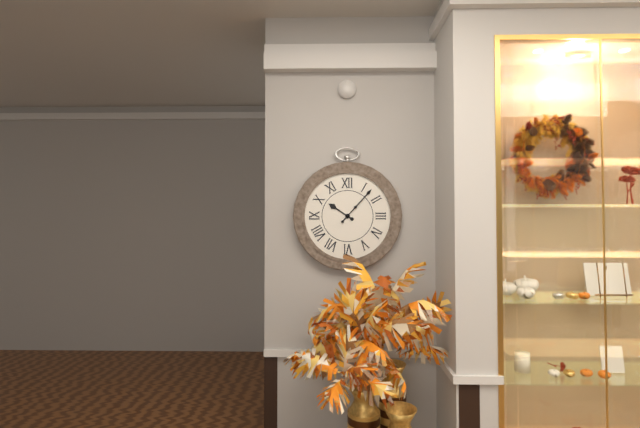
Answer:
10 h 07 min
